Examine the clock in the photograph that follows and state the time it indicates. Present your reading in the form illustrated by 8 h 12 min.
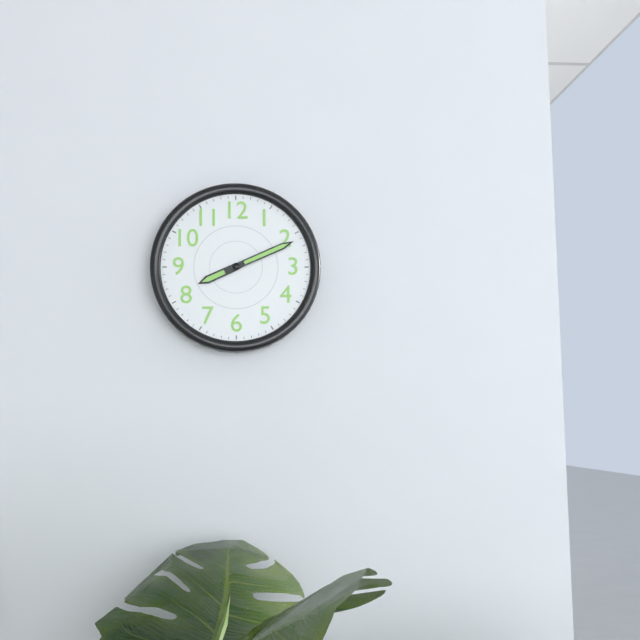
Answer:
8 h 11 min
